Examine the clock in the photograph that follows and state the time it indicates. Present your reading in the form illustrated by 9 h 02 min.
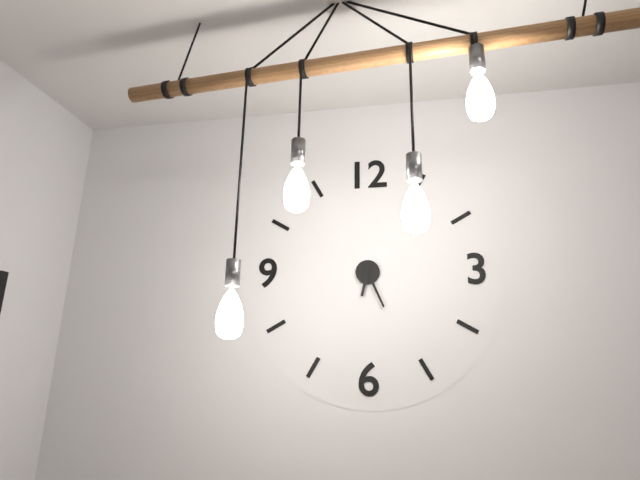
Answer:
6 h 26 min
